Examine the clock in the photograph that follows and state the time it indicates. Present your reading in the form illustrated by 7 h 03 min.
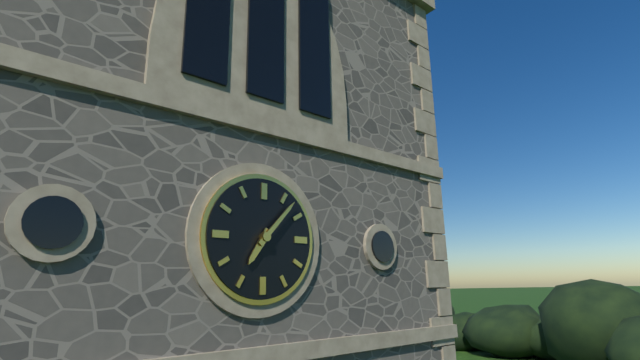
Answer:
7 h 07 min
